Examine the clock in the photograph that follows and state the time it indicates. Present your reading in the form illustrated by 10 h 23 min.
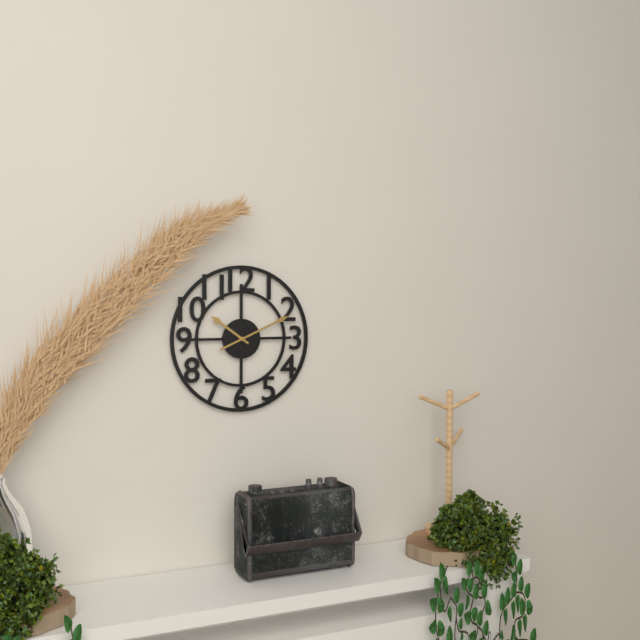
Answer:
10 h 11 min
